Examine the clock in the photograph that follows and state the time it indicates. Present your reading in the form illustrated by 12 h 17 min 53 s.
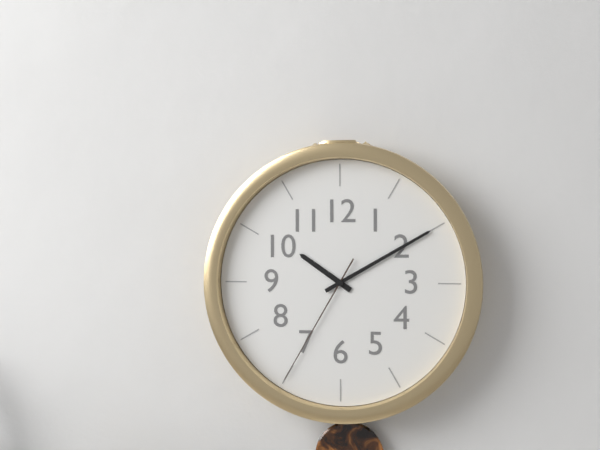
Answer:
10 h 10 min 35 s
